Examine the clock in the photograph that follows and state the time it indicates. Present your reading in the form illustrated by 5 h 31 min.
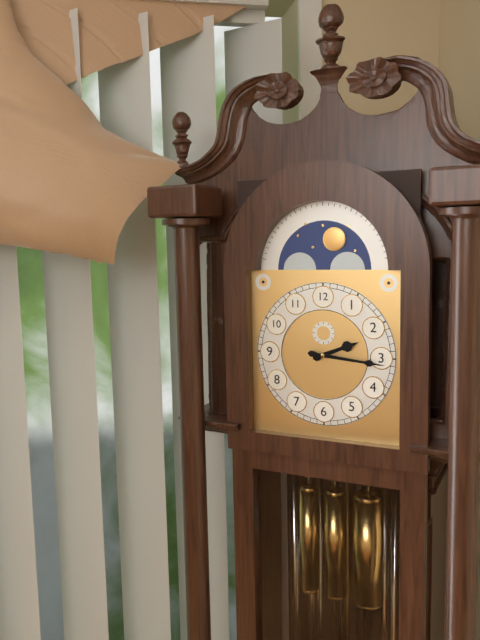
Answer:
2 h 16 min
